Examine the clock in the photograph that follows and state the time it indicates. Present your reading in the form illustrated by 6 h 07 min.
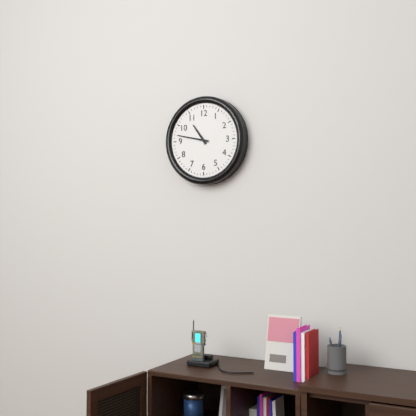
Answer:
10 h 47 min
